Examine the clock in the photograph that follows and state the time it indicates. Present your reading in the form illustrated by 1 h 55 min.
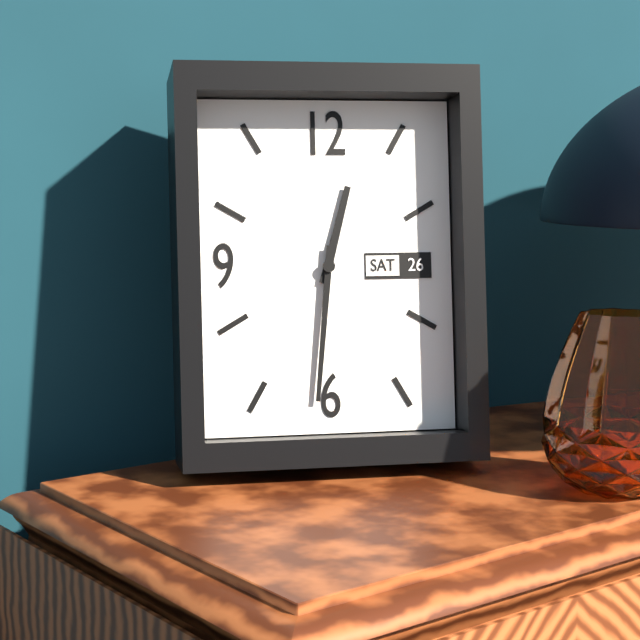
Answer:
12 h 31 min
